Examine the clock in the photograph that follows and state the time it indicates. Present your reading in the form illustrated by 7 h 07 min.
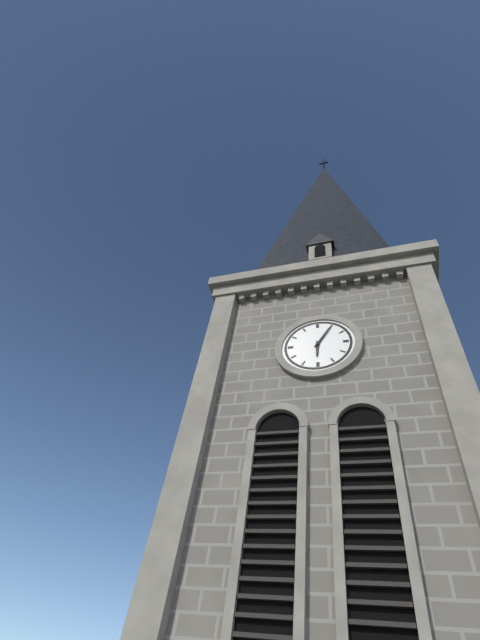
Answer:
6 h 05 min
